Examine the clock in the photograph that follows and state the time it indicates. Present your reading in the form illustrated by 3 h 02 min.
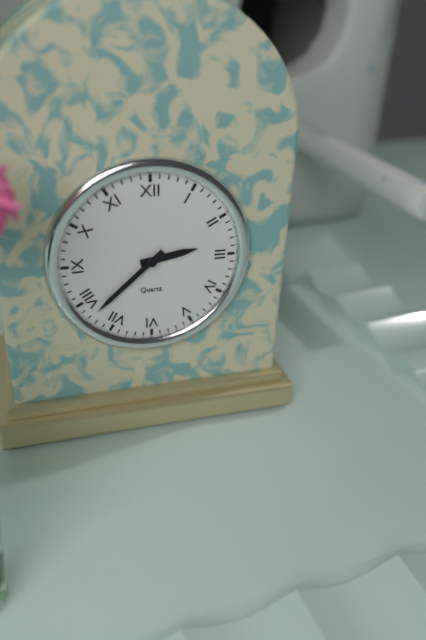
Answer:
2 h 38 min
